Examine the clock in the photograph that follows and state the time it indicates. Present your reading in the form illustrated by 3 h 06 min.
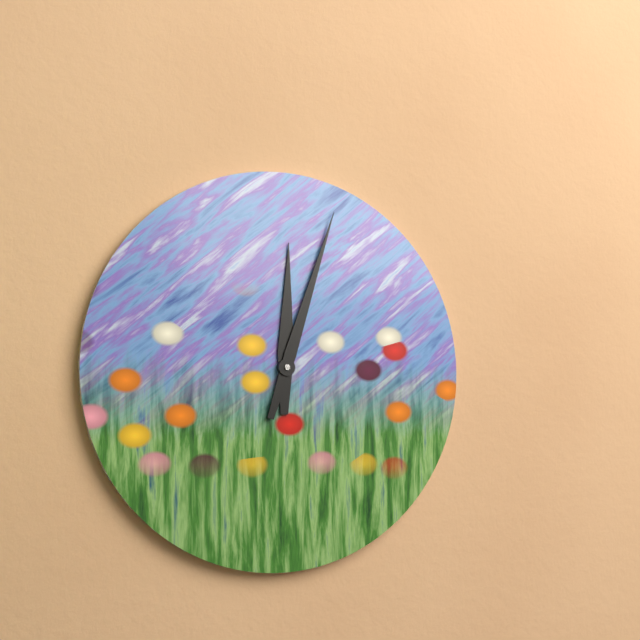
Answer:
12 h 03 min
